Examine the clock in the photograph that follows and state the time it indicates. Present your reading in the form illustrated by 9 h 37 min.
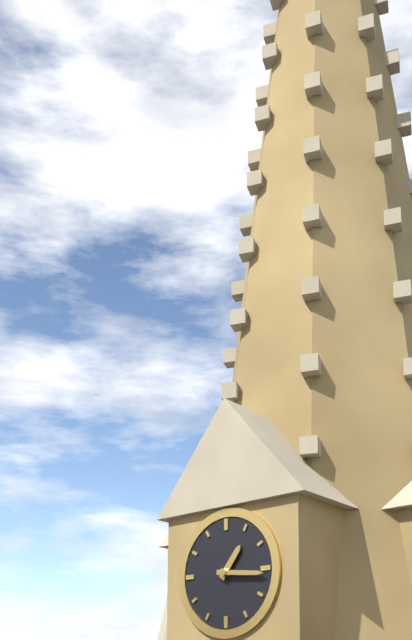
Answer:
1 h 16 min
